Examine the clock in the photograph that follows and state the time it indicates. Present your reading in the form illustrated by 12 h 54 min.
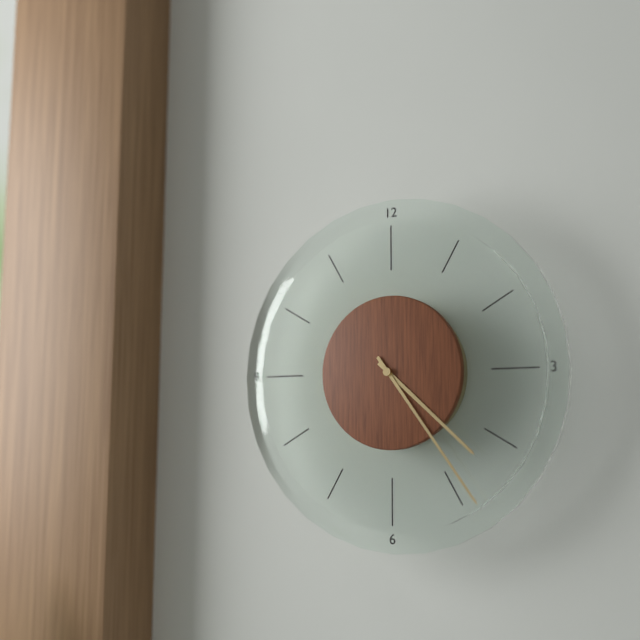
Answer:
4 h 24 min
